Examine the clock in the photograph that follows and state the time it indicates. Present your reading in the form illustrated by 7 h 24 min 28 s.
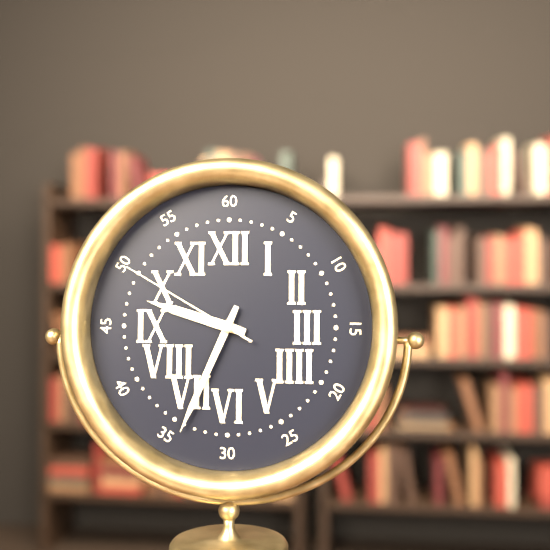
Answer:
9 h 34 min 50 s
